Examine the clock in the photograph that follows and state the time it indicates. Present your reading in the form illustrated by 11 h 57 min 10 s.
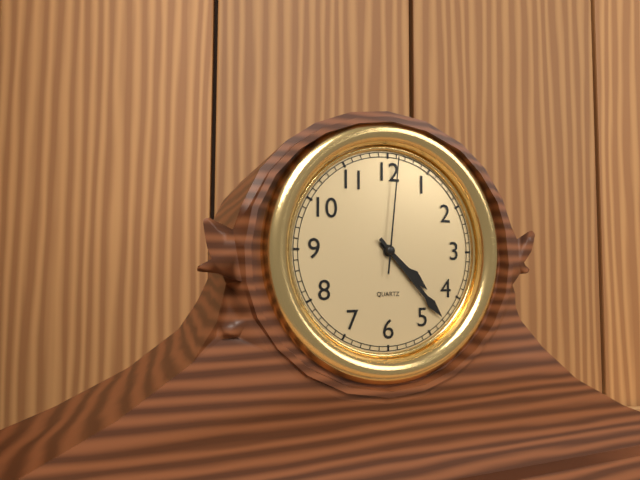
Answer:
4 h 23 min 01 s
